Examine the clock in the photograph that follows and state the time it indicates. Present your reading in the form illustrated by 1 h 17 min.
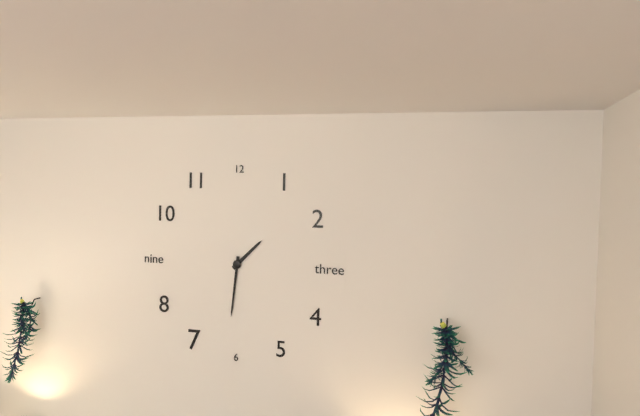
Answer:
1 h 31 min
